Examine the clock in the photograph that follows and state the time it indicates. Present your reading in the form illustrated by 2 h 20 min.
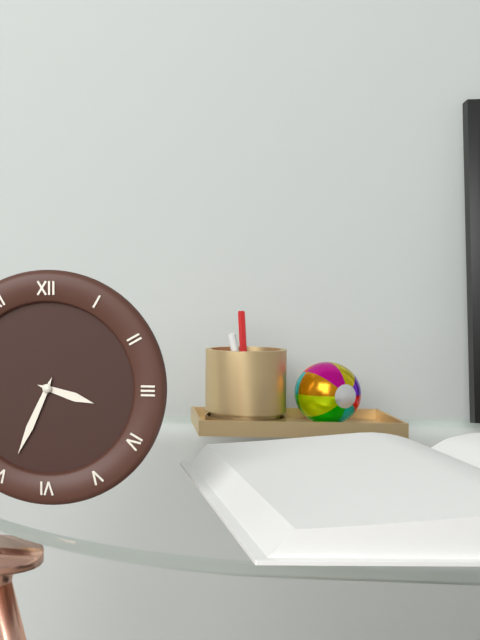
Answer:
3 h 34 min
